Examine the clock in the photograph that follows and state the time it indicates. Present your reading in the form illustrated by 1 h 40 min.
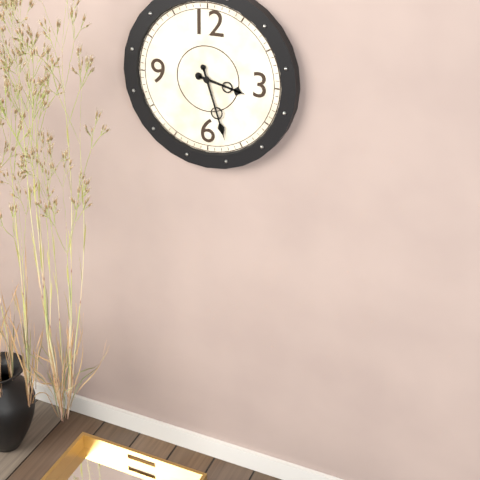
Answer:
3 h 27 min
